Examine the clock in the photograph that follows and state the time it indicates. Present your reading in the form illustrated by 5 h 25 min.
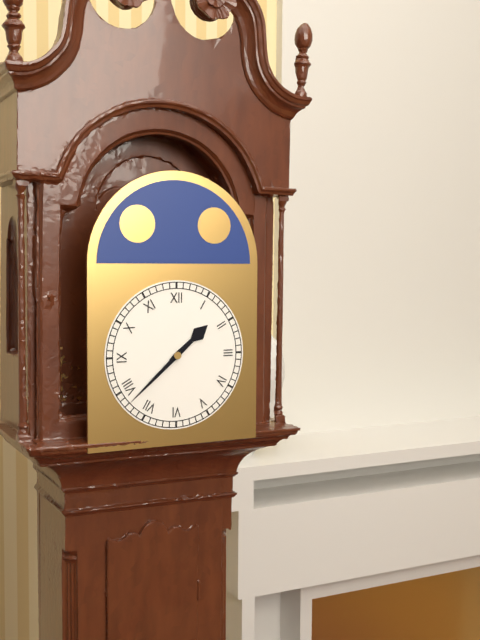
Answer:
1 h 38 min
